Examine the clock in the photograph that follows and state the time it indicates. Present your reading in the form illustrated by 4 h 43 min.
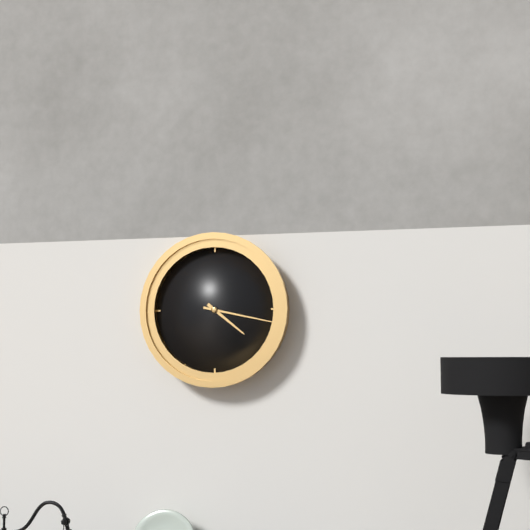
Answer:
4 h 17 min
